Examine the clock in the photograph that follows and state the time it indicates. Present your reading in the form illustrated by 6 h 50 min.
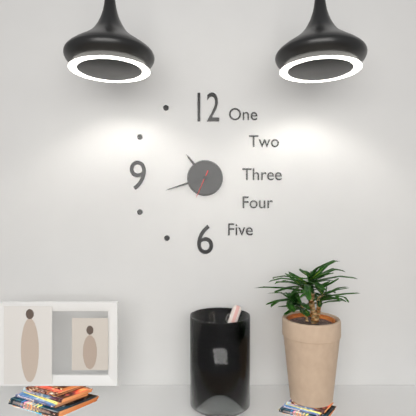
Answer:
10 h 42 min
